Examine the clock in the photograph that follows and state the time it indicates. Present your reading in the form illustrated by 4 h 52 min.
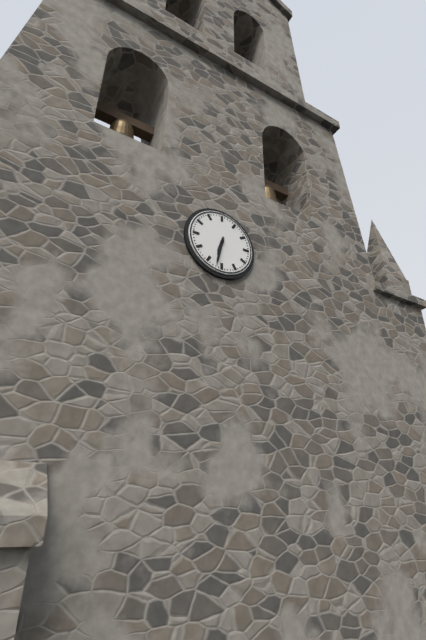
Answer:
6 h 32 min
